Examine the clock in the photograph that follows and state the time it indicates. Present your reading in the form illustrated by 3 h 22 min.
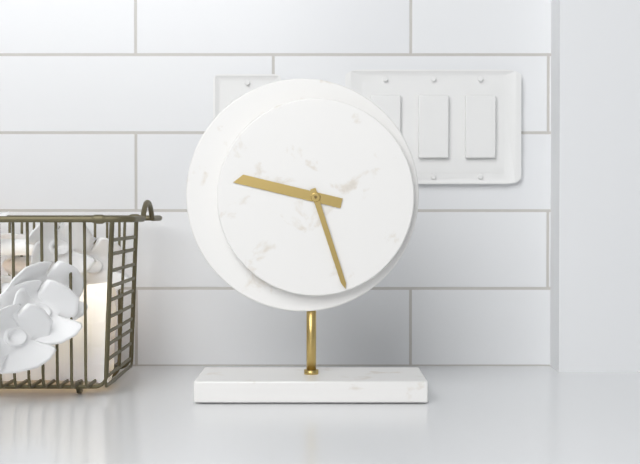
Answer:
9 h 27 min
